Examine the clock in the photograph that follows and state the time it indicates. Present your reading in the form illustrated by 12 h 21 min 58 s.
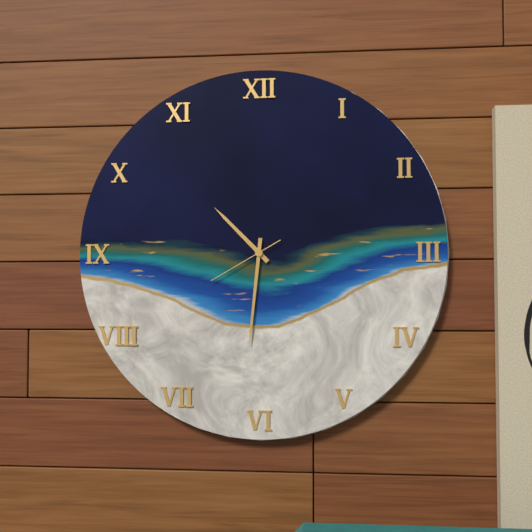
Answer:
10 h 31 min 40 s
